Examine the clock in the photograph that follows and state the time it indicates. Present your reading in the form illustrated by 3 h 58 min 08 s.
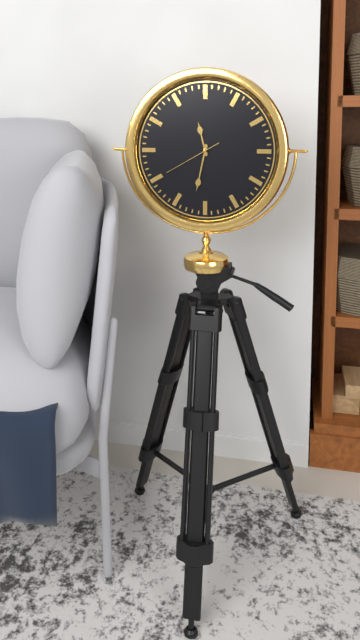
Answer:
11 h 32 min 40 s
